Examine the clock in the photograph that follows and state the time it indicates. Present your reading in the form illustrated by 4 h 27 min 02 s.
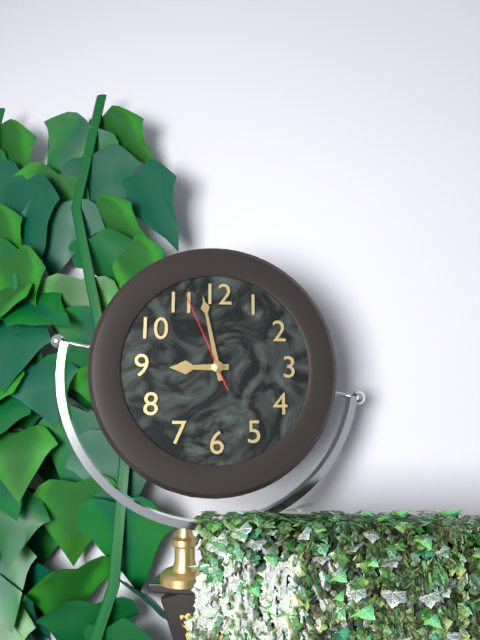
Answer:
8 h 58 min 56 s
